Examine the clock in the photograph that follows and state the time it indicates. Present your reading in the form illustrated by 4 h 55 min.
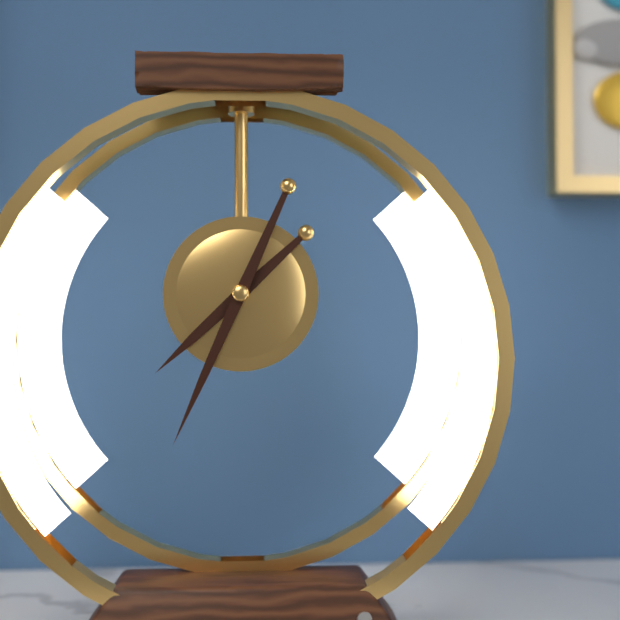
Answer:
7 h 34 min
